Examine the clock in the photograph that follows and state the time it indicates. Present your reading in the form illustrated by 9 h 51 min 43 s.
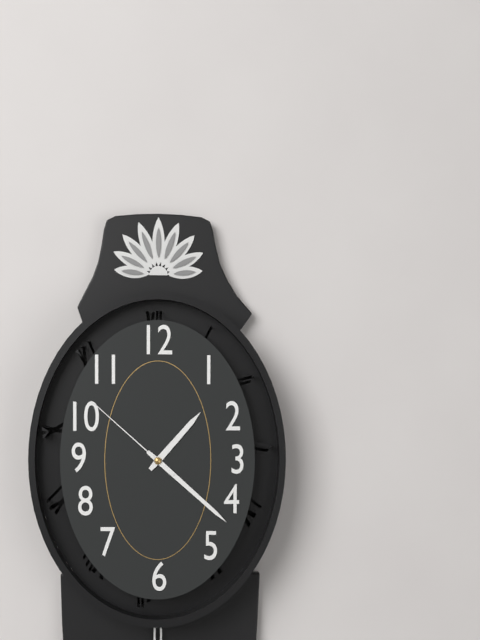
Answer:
1 h 22 min 52 s
